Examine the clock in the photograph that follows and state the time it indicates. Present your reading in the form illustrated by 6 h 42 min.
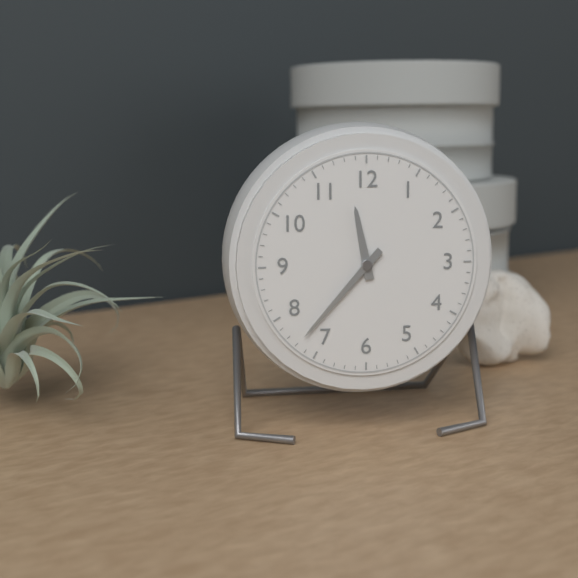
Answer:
11 h 37 min
